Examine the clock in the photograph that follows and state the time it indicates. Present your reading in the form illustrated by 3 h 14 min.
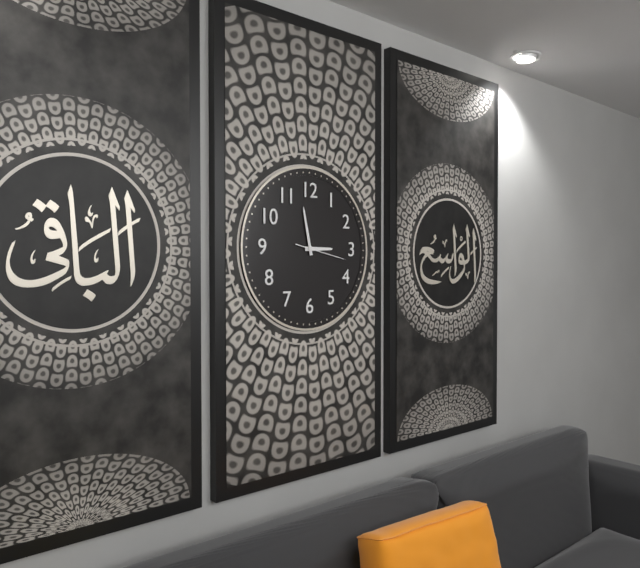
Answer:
2 h 58 min
